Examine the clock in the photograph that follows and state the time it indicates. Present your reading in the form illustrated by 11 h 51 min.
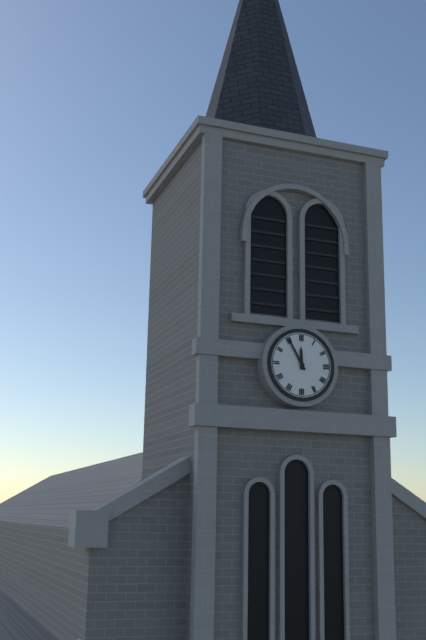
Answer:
11 h 55 min
